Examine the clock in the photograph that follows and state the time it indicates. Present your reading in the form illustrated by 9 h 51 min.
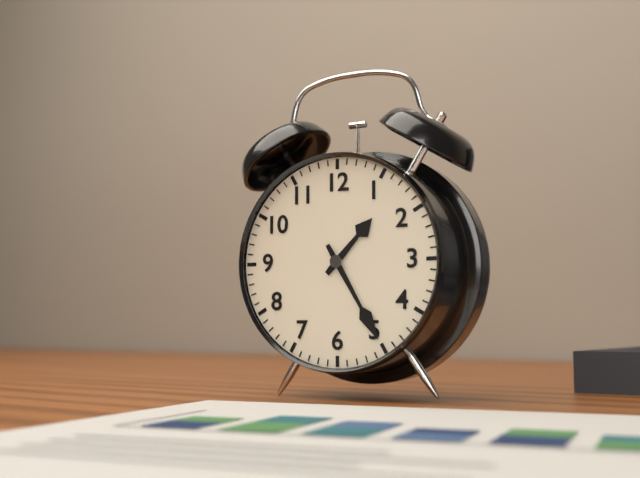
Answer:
1 h 25 min
